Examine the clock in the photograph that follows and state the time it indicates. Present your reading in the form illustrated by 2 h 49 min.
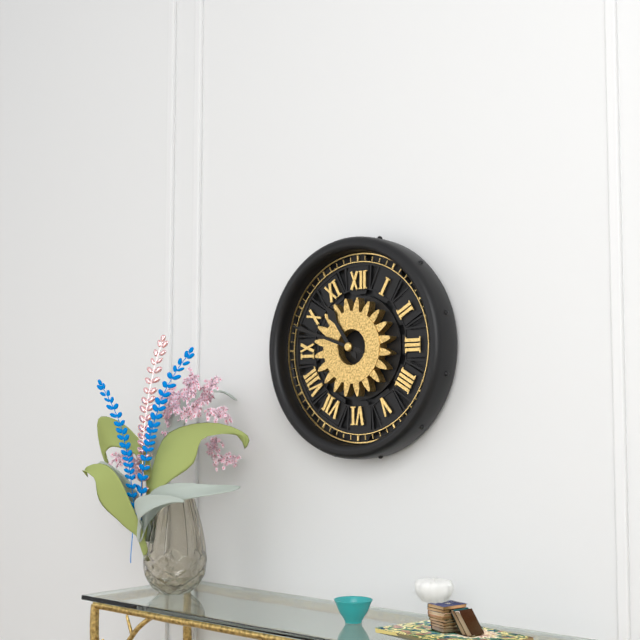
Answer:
10 h 48 min
